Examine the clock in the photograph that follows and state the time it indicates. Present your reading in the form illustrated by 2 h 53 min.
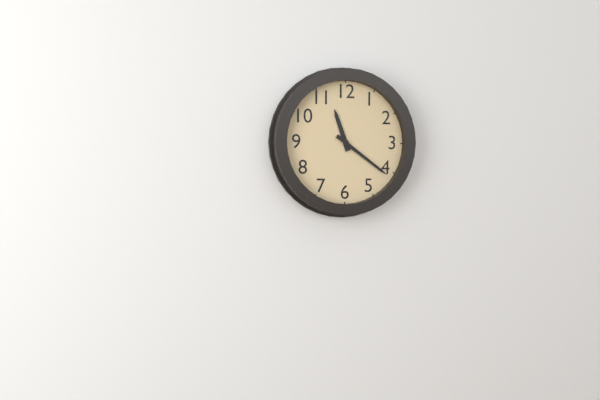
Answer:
11 h 21 min
